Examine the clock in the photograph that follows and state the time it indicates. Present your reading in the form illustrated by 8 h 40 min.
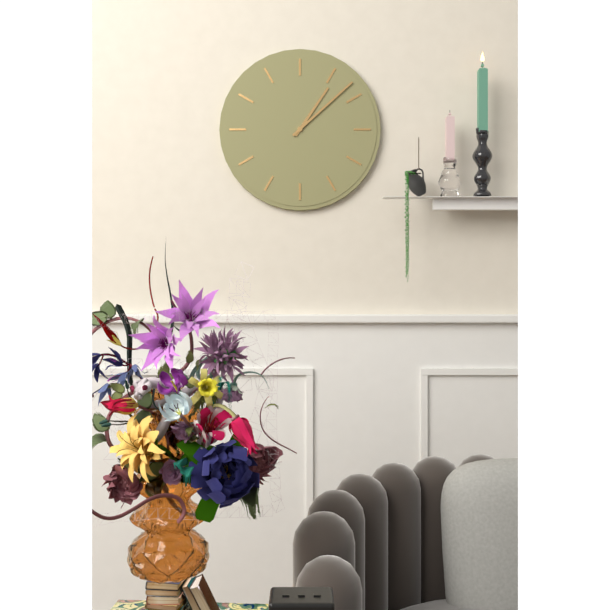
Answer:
1 h 08 min
